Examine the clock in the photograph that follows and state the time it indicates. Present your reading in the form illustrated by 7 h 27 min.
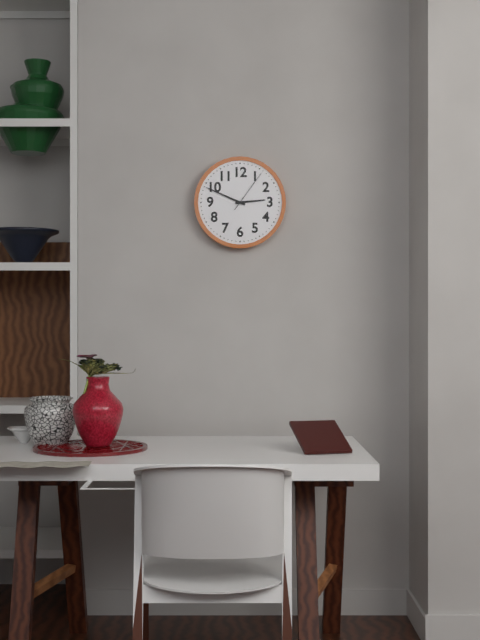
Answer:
2 h 49 min
